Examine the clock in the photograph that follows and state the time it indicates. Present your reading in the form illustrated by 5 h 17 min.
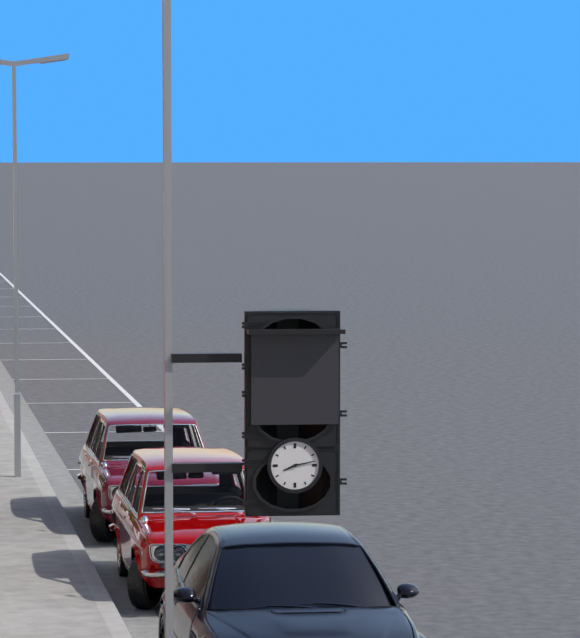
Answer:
8 h 13 min
